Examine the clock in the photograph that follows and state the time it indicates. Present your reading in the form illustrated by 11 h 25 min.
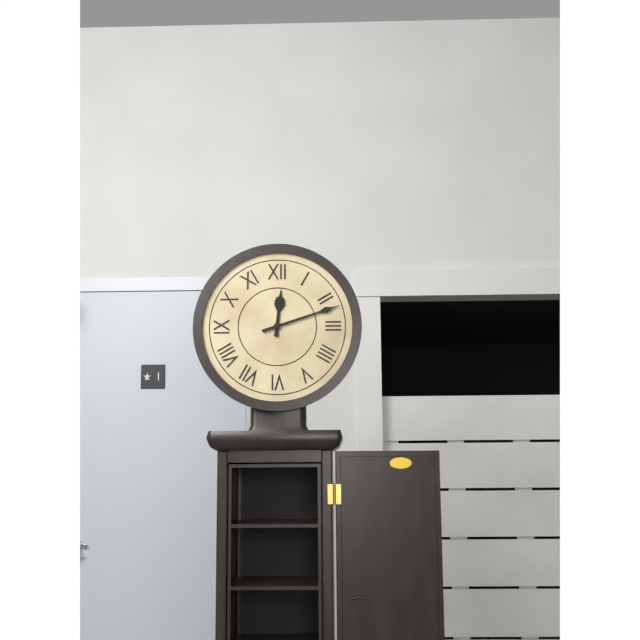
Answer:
12 h 12 min
